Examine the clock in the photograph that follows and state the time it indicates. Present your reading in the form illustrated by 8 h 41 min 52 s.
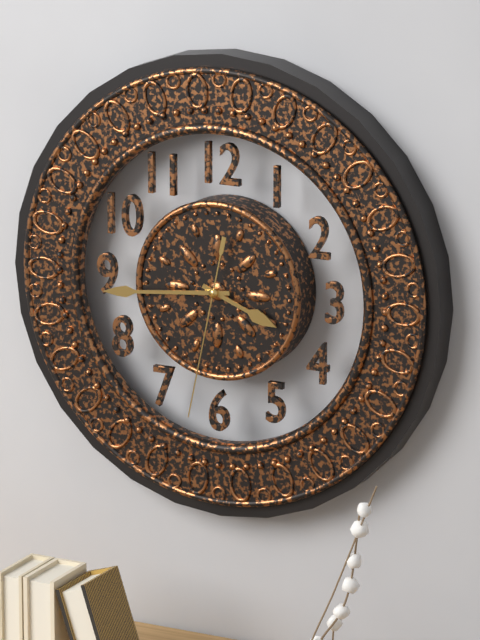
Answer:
3 h 44 min 32 s
